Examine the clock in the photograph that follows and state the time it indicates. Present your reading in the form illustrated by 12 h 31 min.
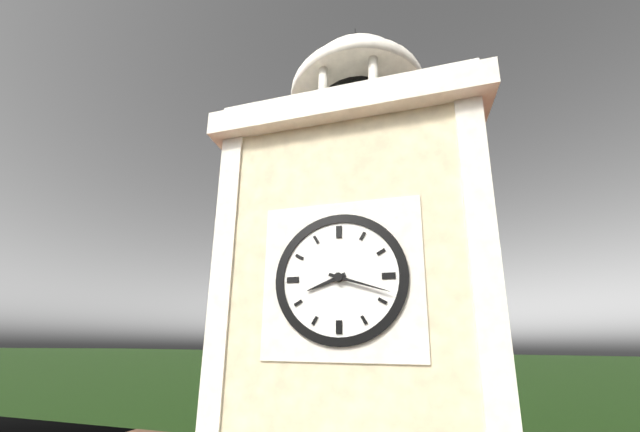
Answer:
8 h 18 min
